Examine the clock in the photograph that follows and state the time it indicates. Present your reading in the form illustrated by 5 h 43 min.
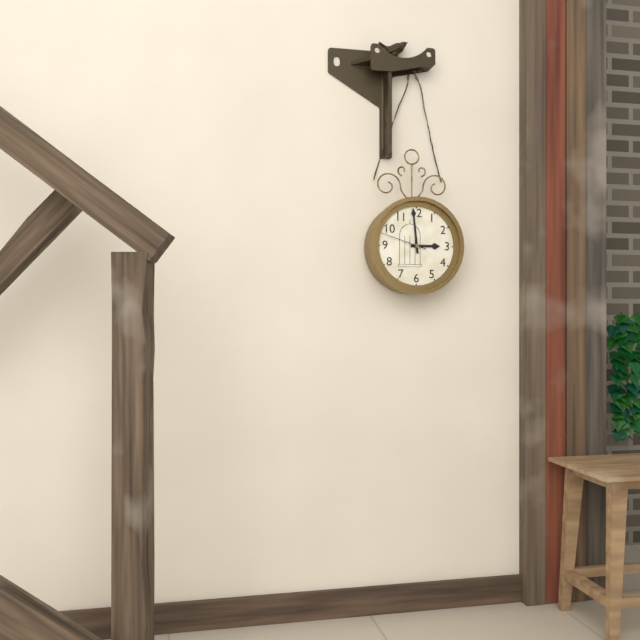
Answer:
2 h 59 min
